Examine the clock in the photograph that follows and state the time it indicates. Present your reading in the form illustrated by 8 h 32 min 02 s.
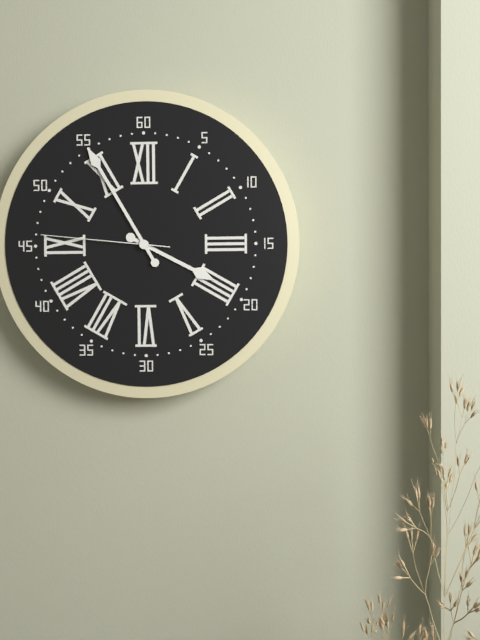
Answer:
3 h 55 min 46 s
